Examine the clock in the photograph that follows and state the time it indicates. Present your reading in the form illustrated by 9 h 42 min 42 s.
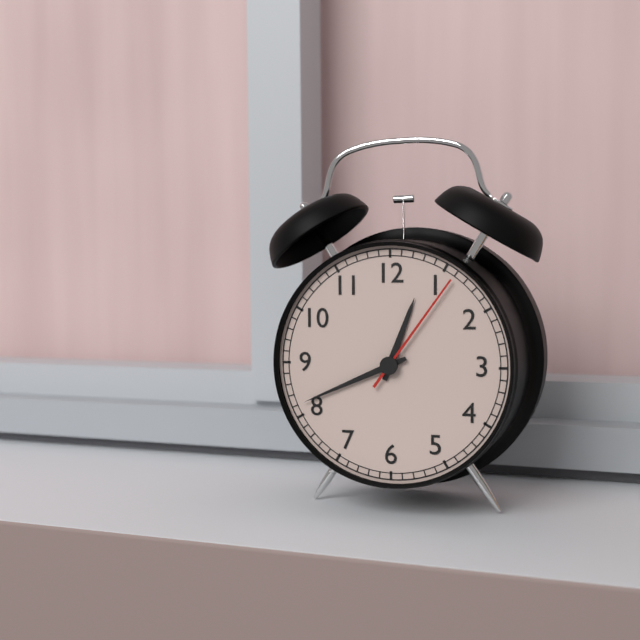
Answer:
12 h 41 min 06 s
